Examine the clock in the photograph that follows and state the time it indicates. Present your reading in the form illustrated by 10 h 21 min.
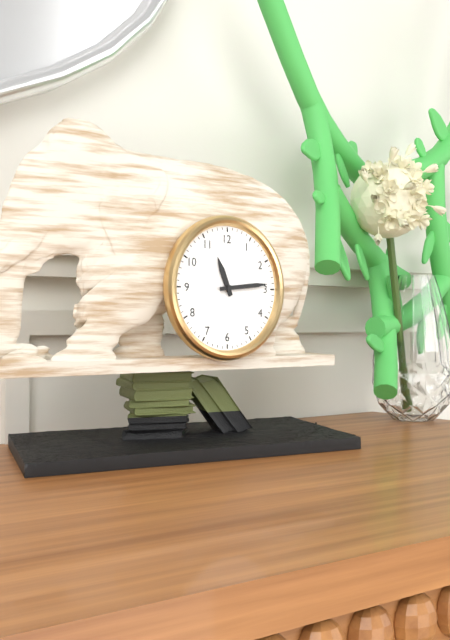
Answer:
11 h 14 min
